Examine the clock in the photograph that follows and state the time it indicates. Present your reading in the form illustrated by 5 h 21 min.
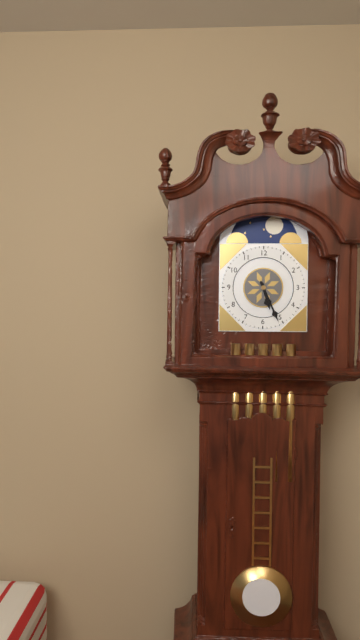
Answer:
5 h 26 min
